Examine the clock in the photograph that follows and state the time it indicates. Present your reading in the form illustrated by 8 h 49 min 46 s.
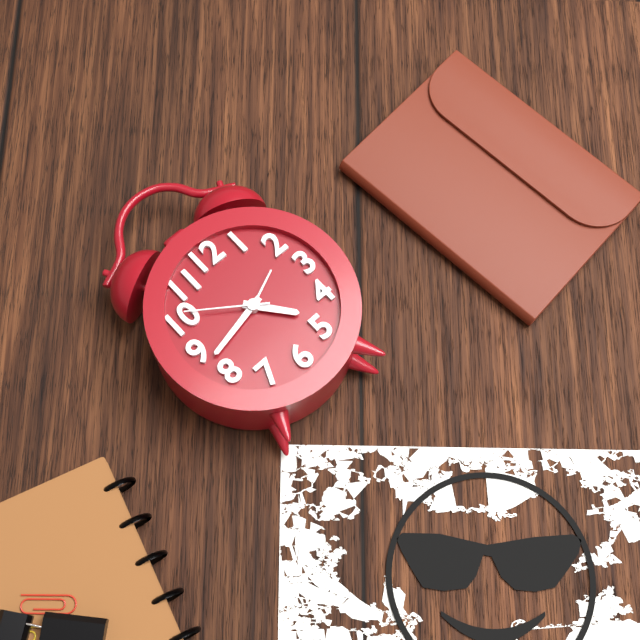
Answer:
4 h 43 min 51 s
